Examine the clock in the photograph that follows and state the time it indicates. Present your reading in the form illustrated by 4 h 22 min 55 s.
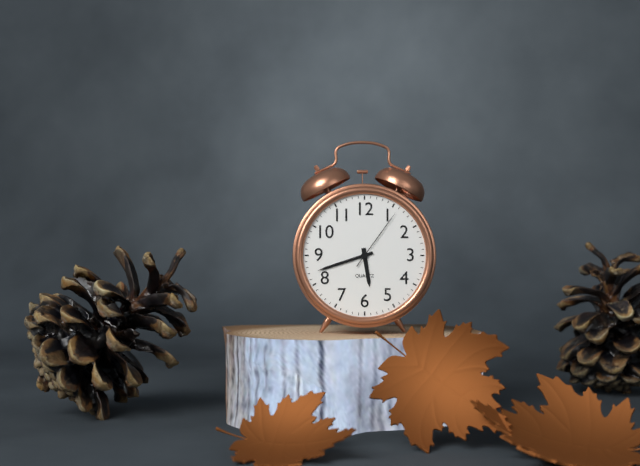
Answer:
5 h 42 min 06 s
